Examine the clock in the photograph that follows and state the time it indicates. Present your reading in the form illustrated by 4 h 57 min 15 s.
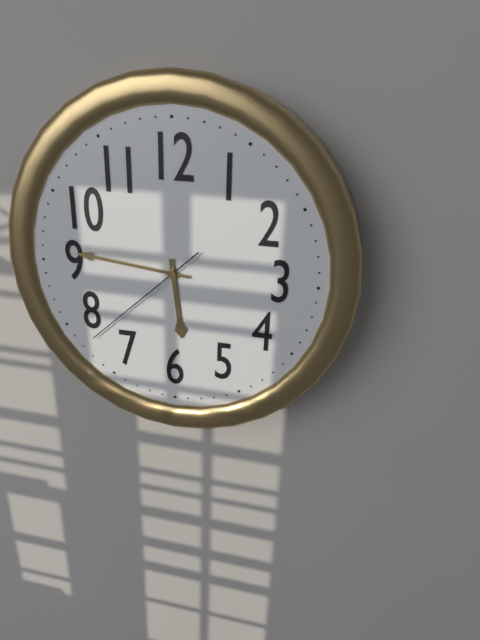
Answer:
5 h 46 min 38 s
